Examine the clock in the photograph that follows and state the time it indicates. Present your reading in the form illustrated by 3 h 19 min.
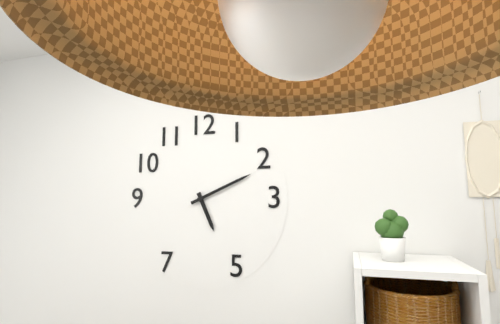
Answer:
5 h 11 min
